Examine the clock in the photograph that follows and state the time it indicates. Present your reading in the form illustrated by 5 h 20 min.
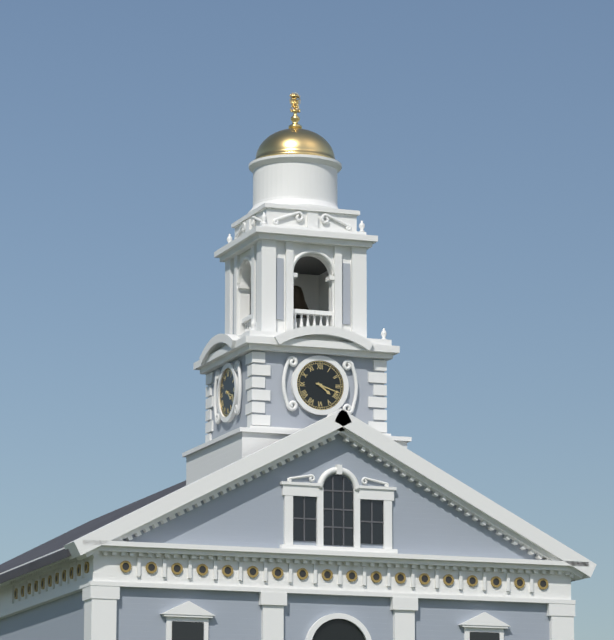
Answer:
4 h 18 min
